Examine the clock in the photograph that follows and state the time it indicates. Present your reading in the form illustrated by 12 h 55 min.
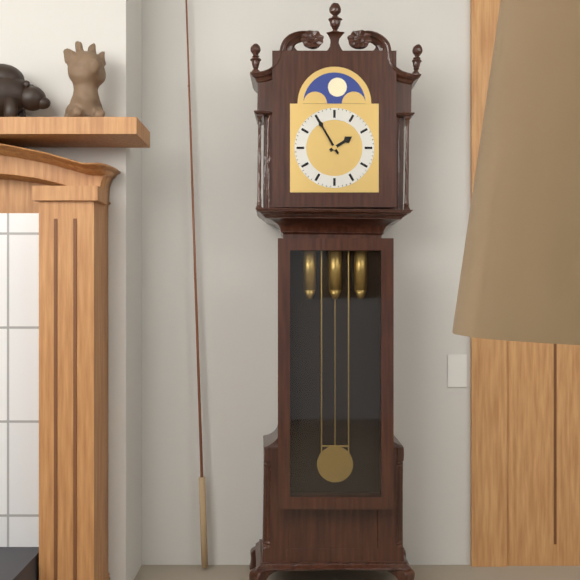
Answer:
1 h 55 min
